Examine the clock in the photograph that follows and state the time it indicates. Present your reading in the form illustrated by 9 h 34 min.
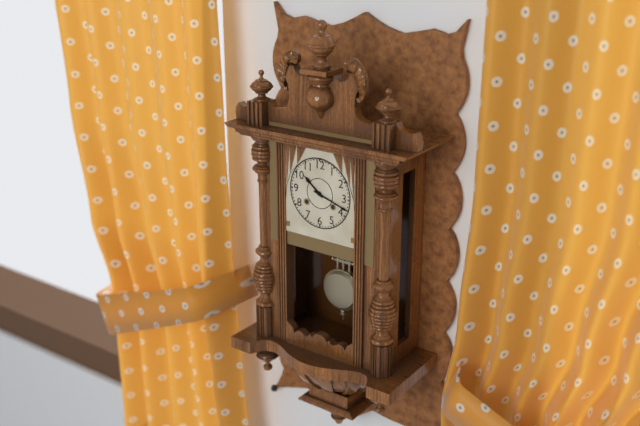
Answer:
10 h 18 min
